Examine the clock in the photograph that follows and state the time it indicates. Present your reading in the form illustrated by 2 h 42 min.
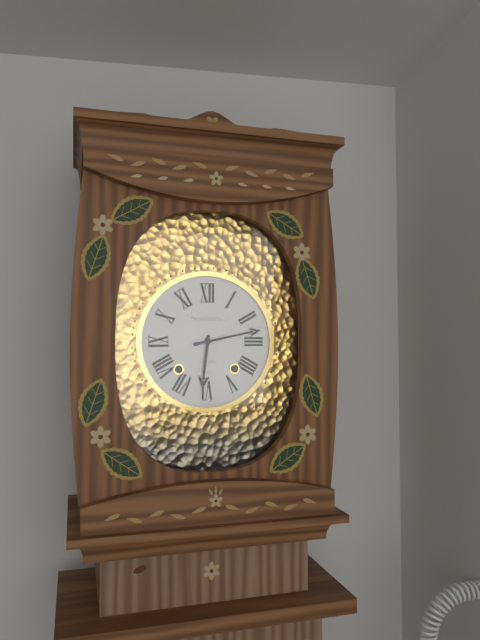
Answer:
6 h 13 min
